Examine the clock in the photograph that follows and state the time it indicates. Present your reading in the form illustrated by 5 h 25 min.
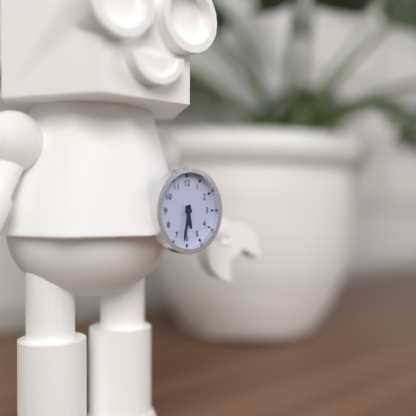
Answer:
5 h 32 min
